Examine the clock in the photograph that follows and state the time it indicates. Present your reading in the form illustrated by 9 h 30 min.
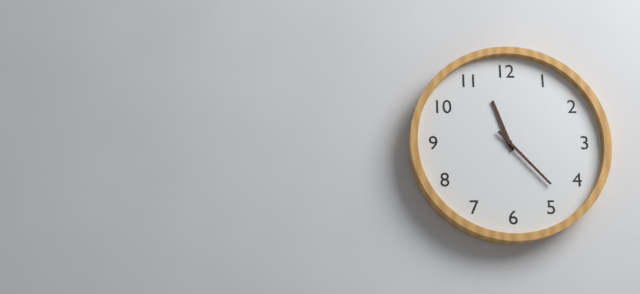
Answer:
11 h 23 min
